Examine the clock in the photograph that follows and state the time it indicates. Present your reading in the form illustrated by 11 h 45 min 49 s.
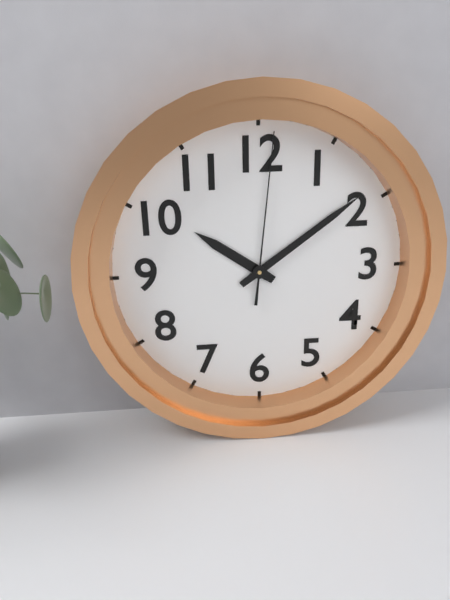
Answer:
10 h 09 min 01 s
